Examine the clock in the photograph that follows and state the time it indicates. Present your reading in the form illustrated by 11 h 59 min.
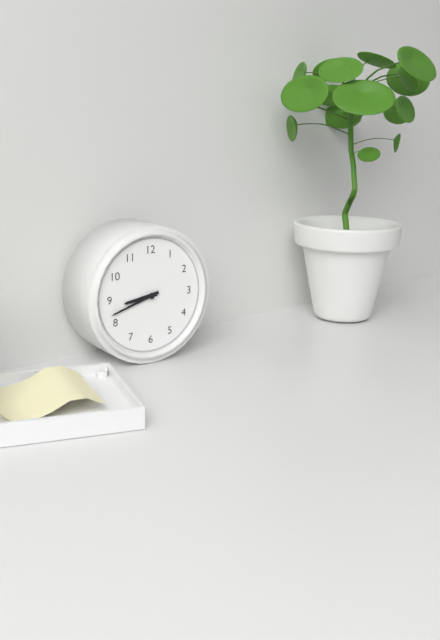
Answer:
8 h 42 min
